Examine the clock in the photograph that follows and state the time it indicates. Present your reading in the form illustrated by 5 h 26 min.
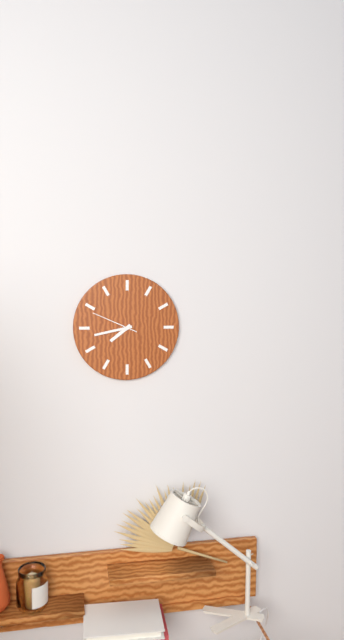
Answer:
7 h 43 min
